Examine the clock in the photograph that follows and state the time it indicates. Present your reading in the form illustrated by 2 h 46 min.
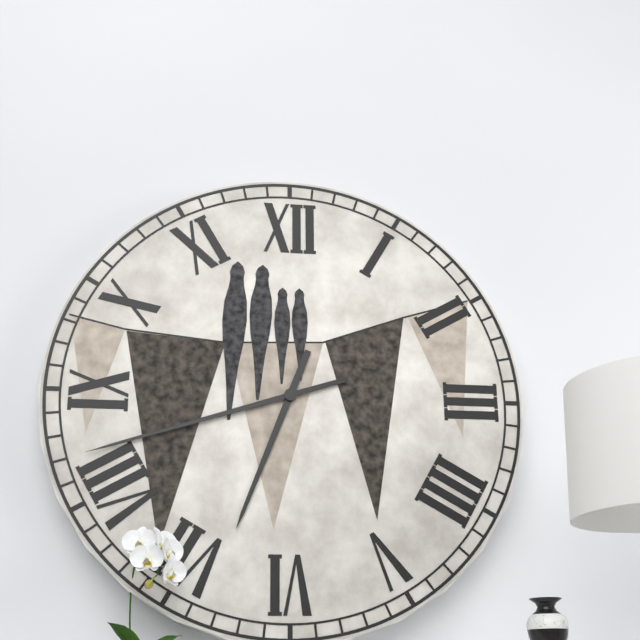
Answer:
6 h 42 min
